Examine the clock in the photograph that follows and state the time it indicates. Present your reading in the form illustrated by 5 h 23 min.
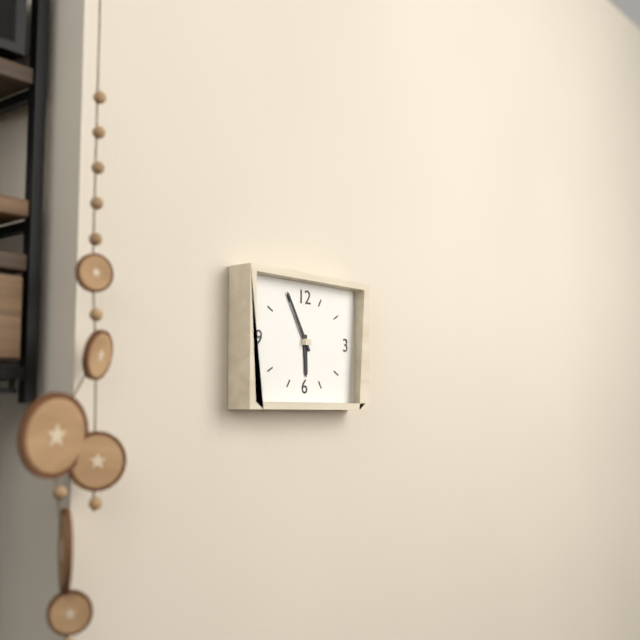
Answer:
5 h 55 min
